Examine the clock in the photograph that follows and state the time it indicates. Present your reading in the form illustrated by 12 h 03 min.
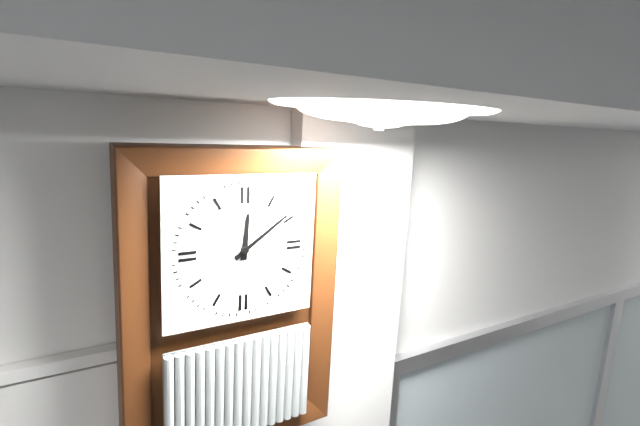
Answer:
12 h 09 min
